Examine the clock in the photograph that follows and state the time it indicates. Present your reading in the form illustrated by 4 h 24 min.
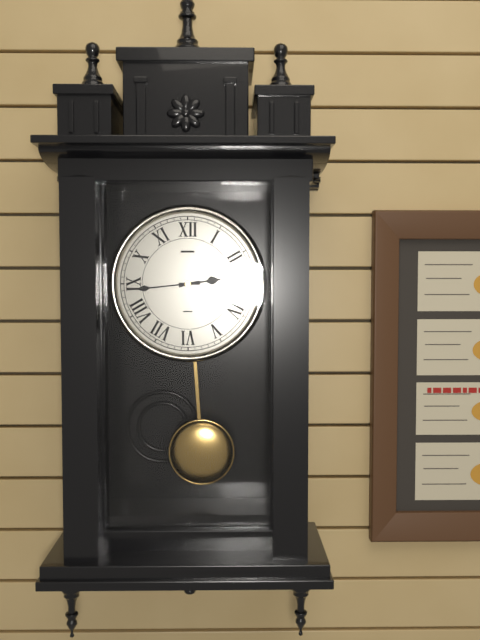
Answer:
2 h 44 min
